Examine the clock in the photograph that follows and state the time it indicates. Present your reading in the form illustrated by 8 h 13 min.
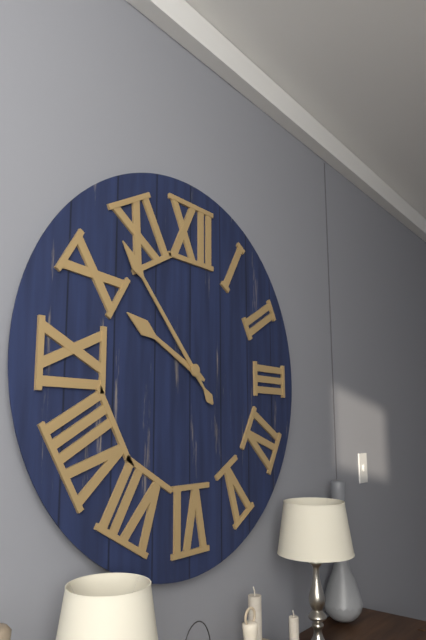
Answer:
9 h 53 min
